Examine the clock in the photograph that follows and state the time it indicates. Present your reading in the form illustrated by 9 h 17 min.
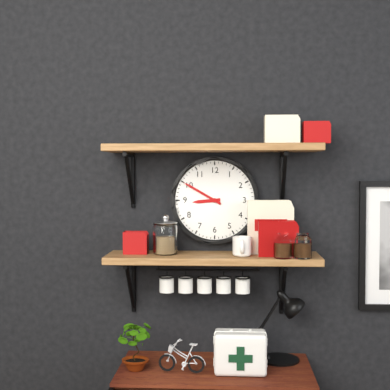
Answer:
8 h 50 min
